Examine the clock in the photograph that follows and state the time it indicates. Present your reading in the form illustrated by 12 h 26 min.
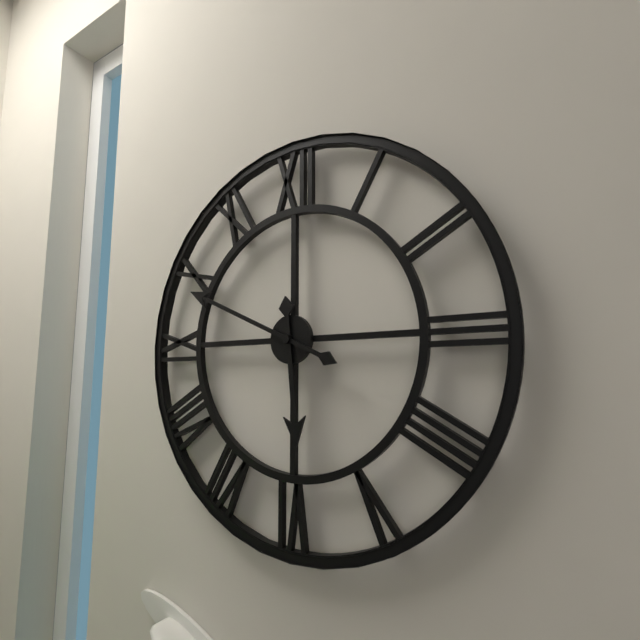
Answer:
5 h 49 min
